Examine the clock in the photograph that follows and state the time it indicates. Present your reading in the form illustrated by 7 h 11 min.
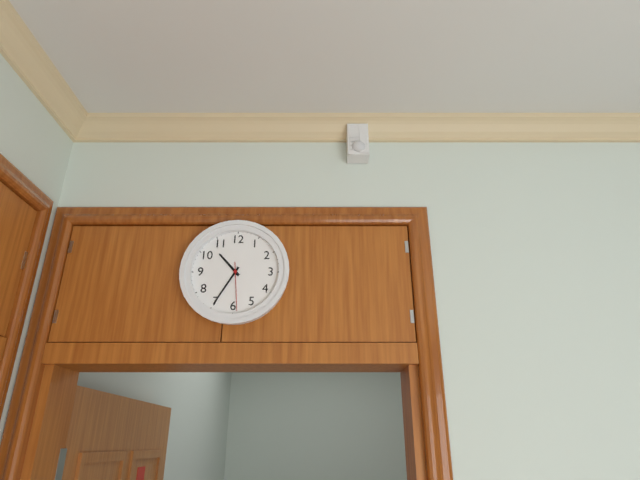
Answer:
10 h 35 min
